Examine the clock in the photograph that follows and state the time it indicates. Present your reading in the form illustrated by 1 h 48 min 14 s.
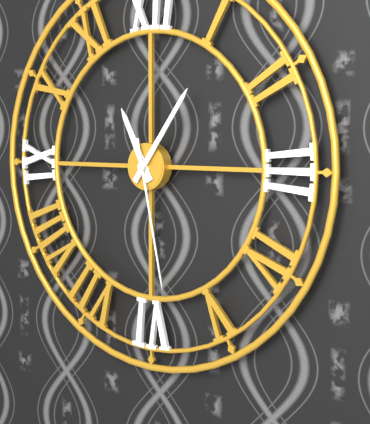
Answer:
11 h 06 min 28 s
